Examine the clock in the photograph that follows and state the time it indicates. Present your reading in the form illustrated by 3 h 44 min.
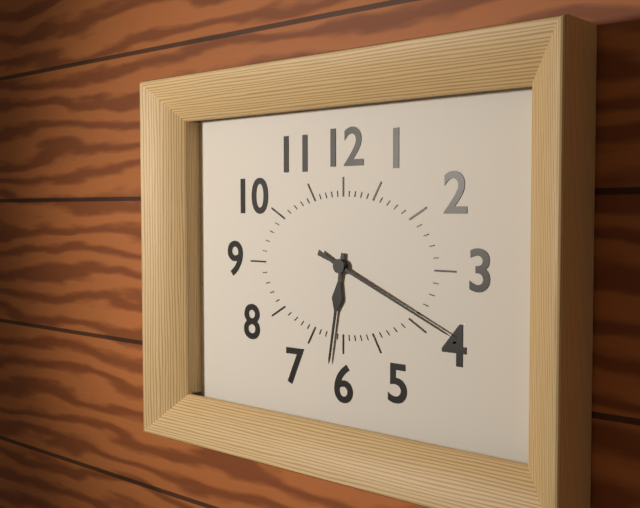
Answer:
6 h 19 min
